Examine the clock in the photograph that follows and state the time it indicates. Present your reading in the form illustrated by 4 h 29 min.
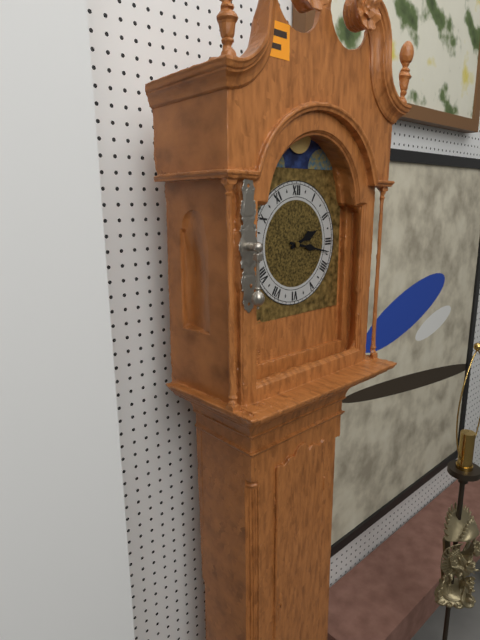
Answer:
2 h 17 min
